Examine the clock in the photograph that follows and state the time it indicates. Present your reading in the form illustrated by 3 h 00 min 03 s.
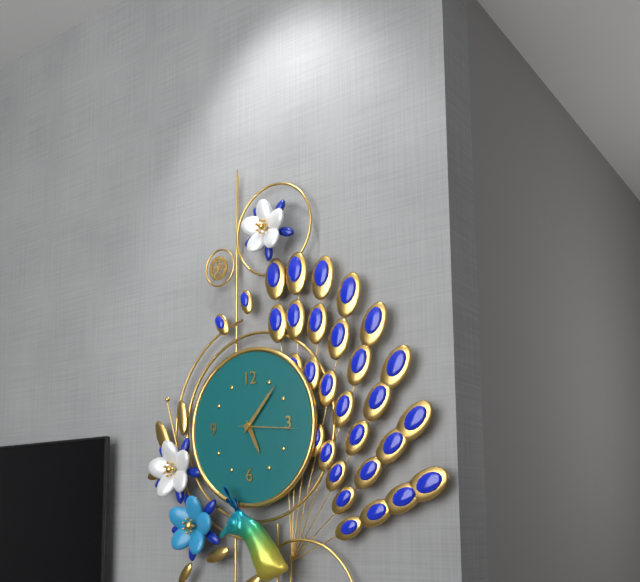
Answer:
5 h 07 min 16 s
